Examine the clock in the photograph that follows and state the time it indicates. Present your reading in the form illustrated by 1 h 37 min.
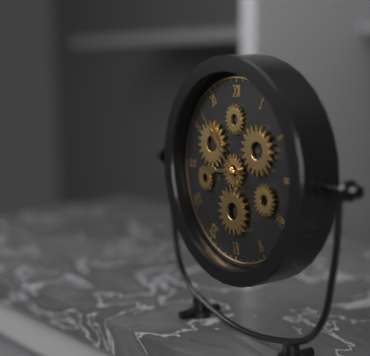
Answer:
8 h 53 min
